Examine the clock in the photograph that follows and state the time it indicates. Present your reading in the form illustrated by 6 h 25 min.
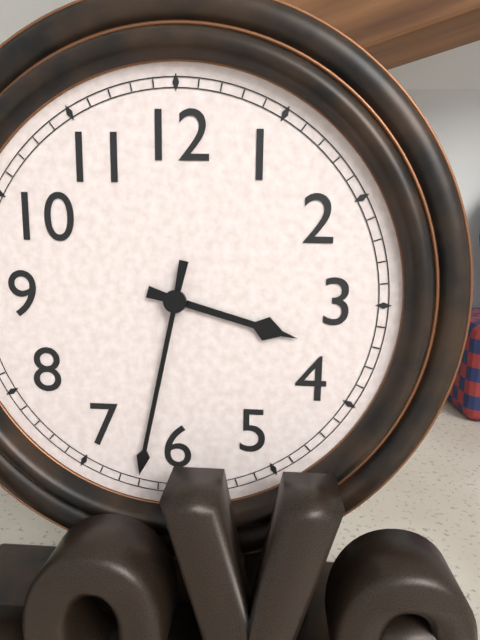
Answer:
3 h 32 min
